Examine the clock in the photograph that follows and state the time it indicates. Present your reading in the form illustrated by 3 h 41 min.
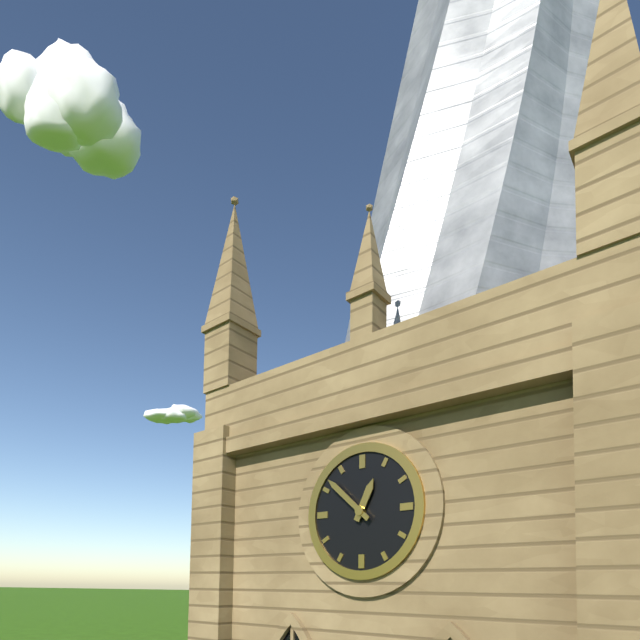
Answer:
12 h 52 min
